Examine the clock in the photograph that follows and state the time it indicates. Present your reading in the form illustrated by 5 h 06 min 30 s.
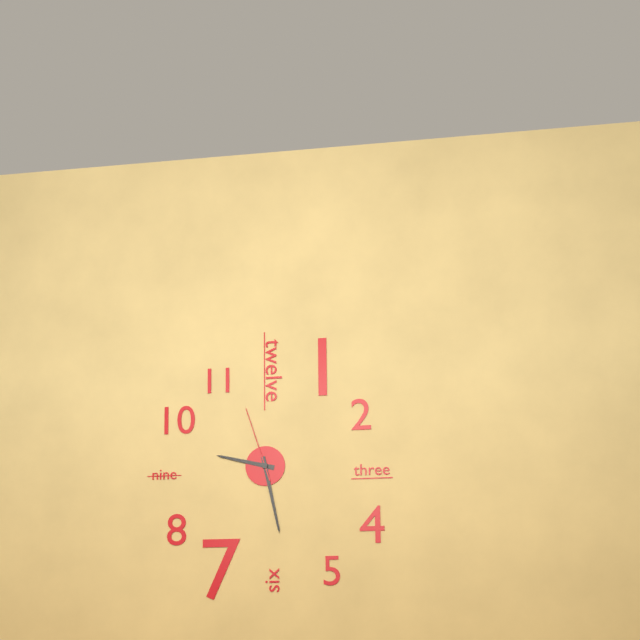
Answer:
9 h 28 min 57 s
